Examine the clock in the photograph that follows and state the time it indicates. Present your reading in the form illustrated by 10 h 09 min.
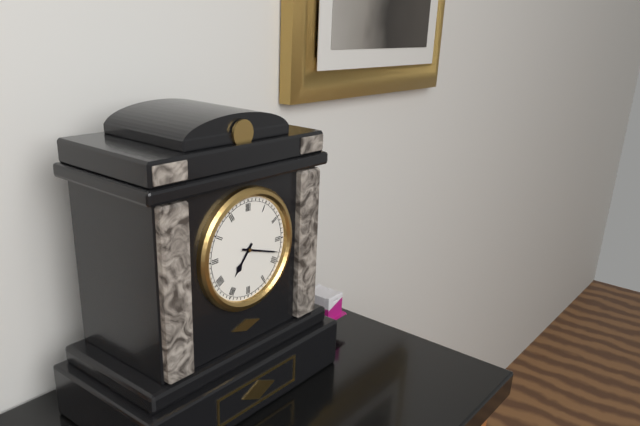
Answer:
7 h 18 min
